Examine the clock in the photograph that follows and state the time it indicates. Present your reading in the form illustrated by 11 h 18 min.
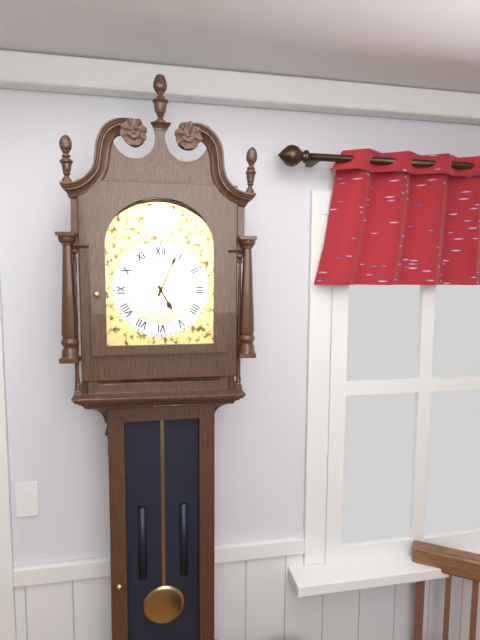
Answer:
5 h 04 min
